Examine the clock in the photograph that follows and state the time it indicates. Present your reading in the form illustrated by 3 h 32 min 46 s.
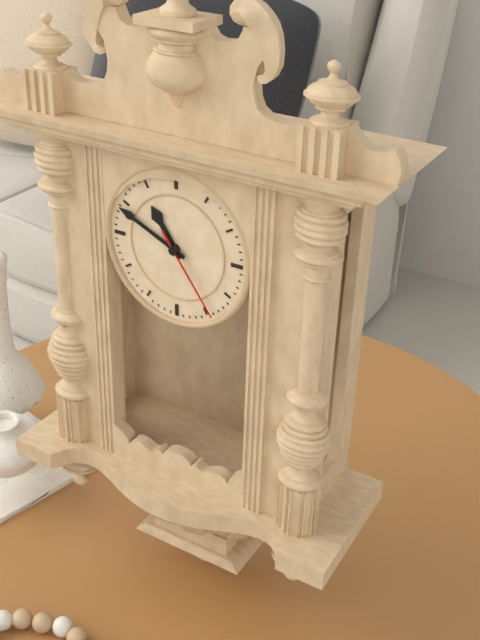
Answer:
10 h 49 min 24 s
